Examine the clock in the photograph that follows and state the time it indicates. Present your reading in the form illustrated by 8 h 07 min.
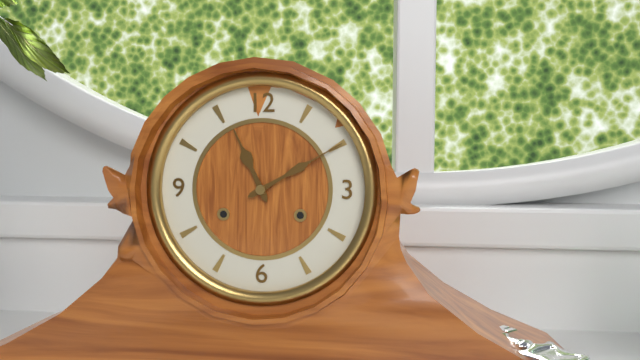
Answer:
11 h 10 min
